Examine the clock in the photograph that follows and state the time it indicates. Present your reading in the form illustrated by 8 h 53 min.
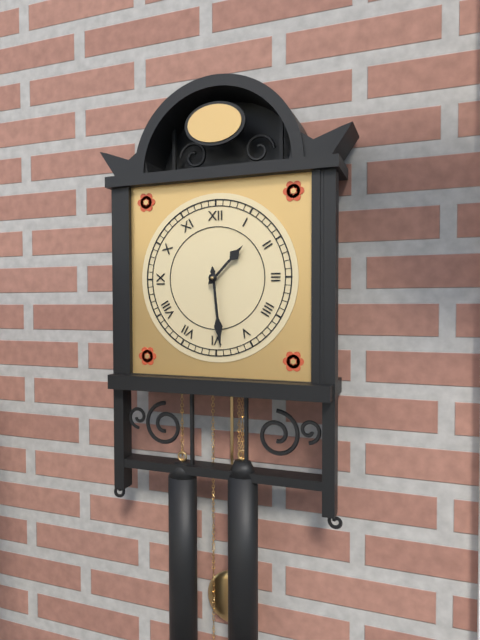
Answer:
1 h 29 min
